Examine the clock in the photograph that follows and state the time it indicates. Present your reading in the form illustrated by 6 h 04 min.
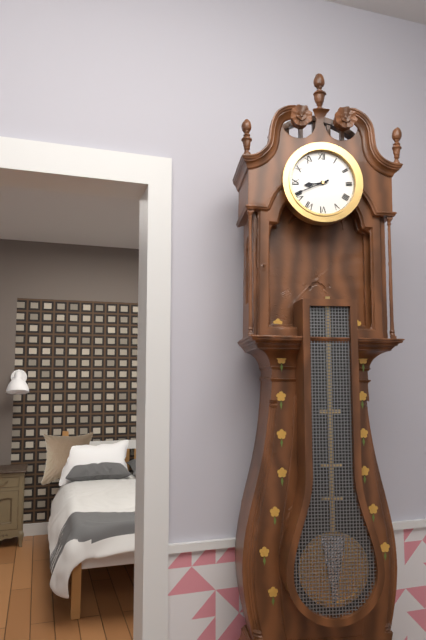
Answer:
8 h 41 min
